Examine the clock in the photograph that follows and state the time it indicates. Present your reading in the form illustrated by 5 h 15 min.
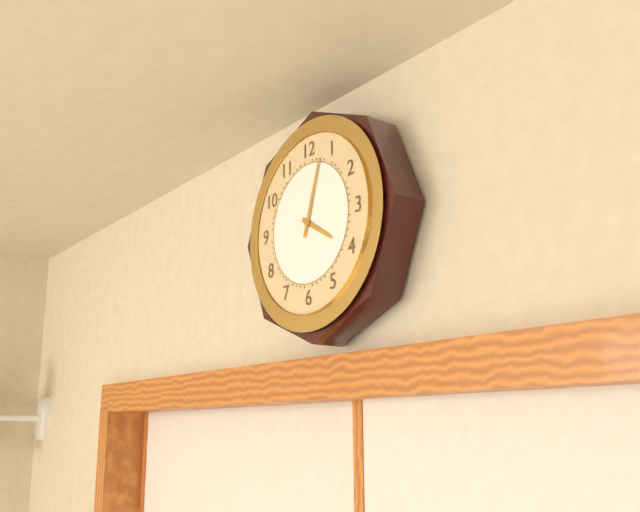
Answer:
4 h 03 min
